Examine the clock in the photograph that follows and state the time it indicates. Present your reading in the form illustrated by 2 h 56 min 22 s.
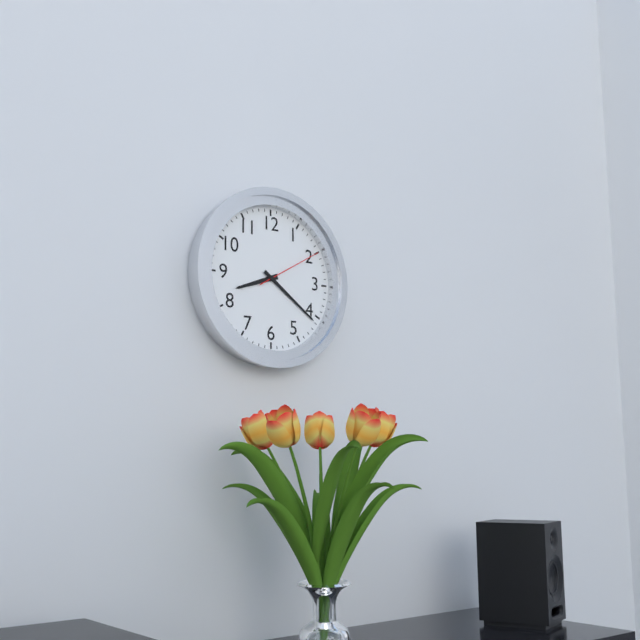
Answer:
8 h 21 min 10 s
